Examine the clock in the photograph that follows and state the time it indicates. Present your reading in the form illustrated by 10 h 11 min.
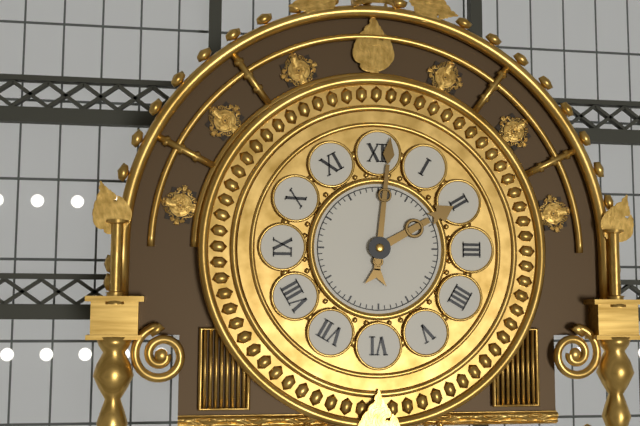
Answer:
2 h 01 min
